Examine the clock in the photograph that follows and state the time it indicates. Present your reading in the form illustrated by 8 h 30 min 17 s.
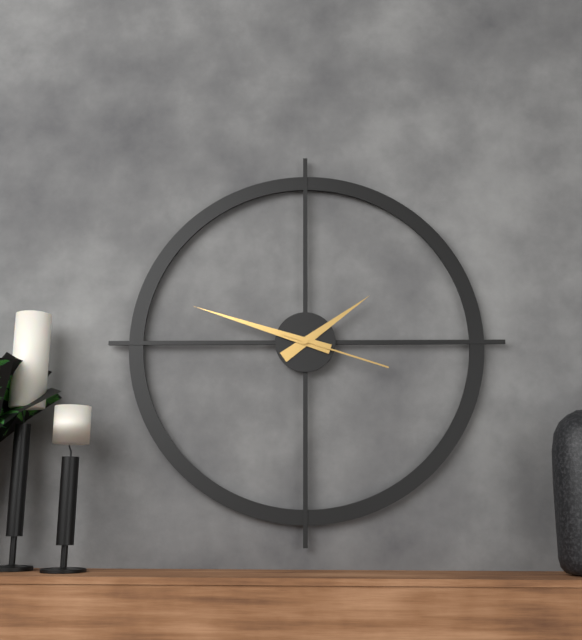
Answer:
1 h 48 min 18 s
